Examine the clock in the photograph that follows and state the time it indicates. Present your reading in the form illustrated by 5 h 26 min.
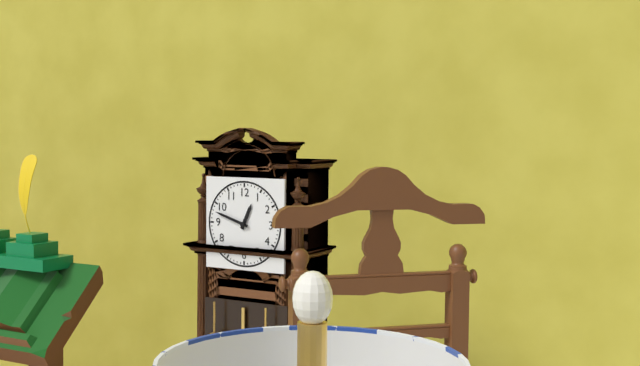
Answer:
12 h 48 min
